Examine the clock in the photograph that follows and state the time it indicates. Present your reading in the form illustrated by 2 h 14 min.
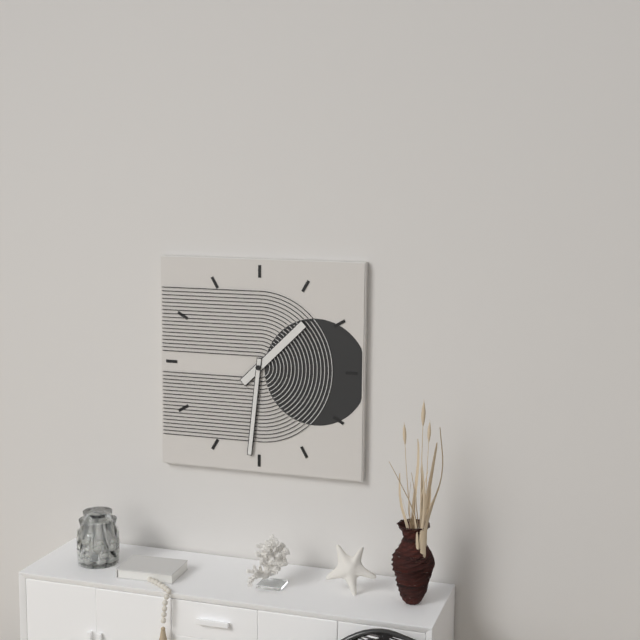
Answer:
1 h 31 min
